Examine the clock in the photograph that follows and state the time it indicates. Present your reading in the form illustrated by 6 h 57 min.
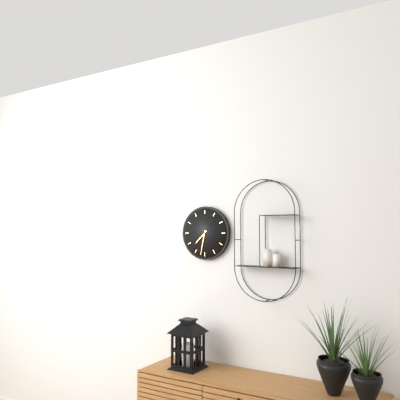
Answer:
7 h 32 min
